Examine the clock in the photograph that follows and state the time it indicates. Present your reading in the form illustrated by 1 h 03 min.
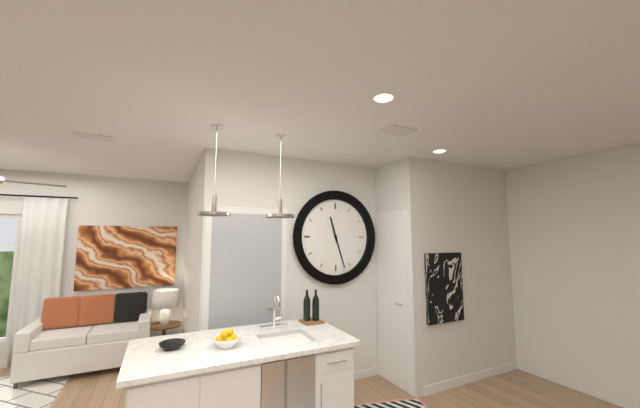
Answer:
11 h 27 min
